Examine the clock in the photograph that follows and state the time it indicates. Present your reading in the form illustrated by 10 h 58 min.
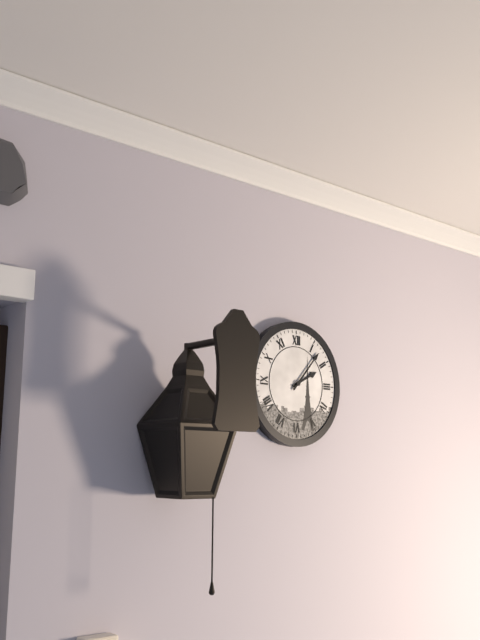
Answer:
2 h 07 min
